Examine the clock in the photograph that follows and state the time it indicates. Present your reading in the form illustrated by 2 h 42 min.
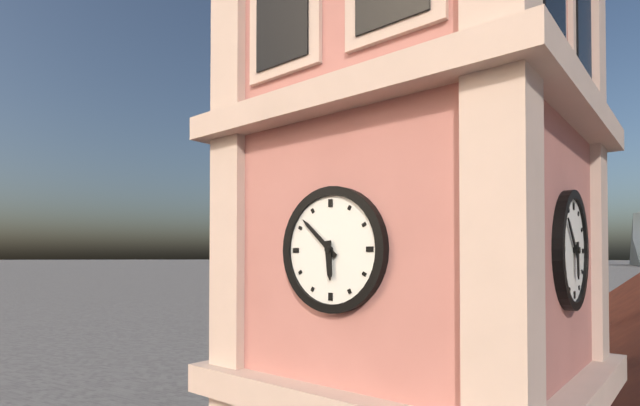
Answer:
5 h 52 min
